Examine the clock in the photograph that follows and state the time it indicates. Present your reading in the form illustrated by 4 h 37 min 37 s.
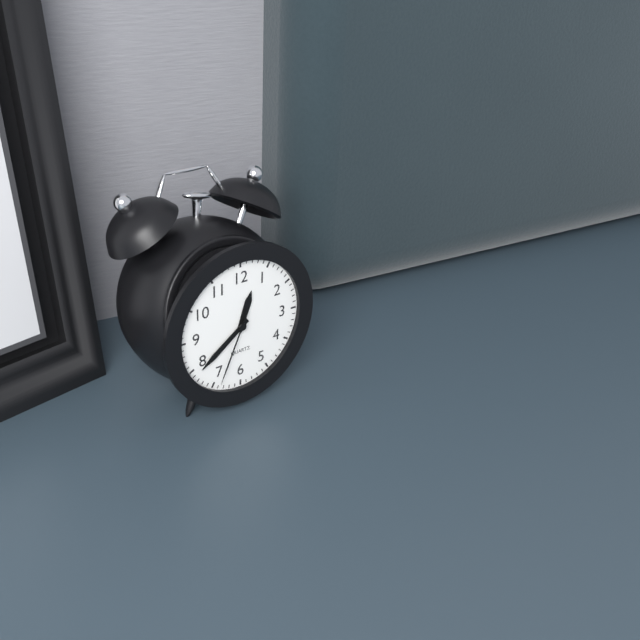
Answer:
12 h 39 min 34 s
